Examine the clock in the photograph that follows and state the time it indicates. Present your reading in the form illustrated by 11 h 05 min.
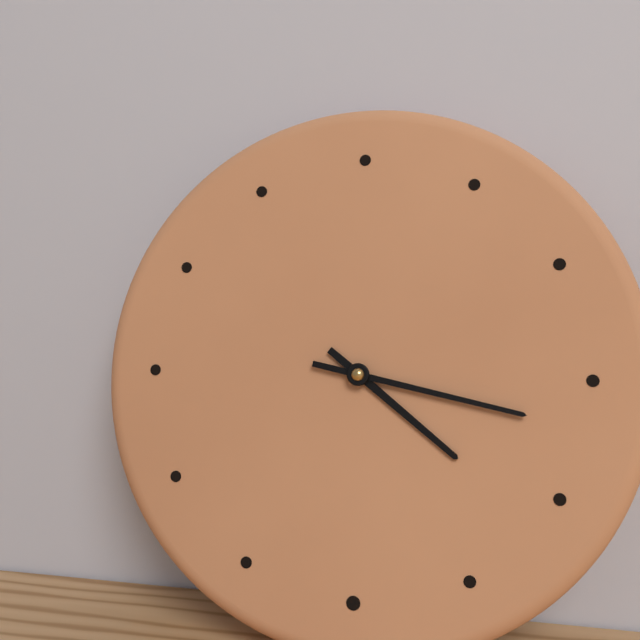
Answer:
4 h 17 min
